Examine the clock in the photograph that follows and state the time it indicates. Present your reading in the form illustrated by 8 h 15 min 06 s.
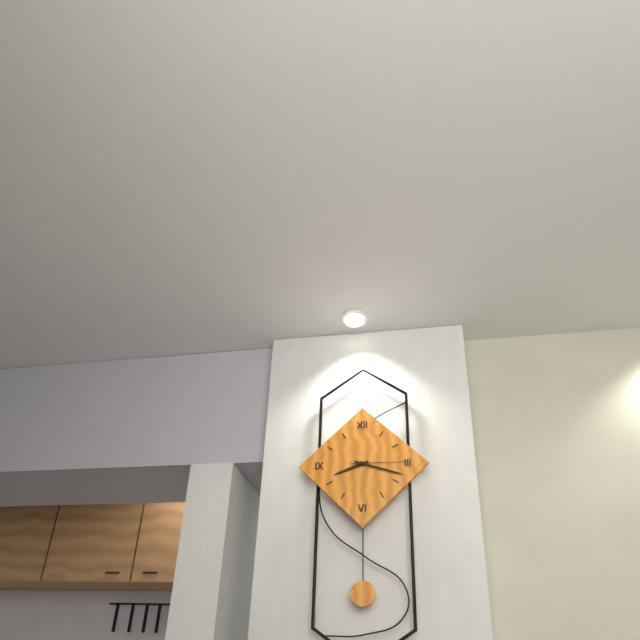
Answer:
8 h 18 min 15 s
